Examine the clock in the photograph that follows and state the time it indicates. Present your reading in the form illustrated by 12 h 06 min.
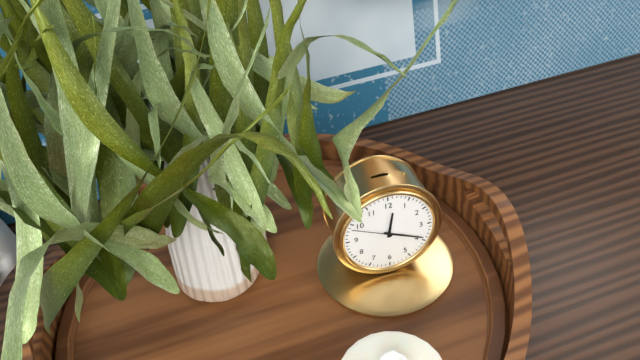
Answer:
12 h 19 min
